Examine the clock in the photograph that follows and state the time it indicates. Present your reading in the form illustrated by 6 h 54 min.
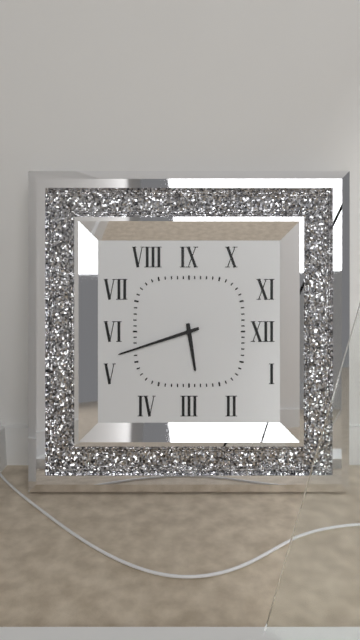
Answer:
5 h 42 min
